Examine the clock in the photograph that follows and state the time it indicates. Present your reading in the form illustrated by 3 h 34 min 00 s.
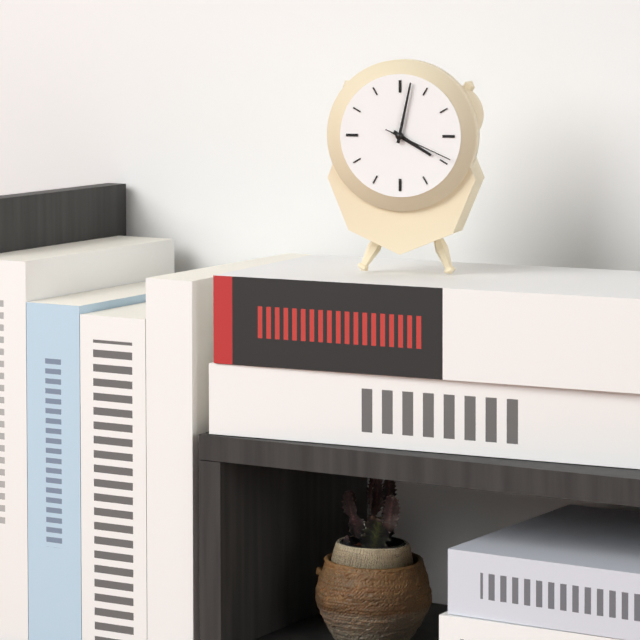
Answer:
4 h 02 min 19 s
